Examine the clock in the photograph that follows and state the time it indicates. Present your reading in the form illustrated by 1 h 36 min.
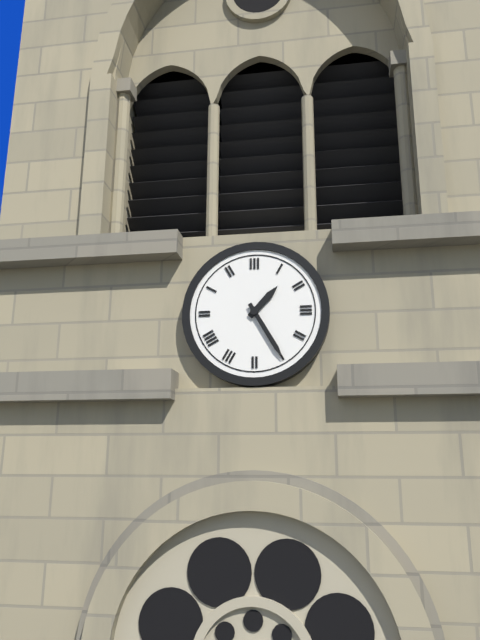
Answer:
1 h 25 min
